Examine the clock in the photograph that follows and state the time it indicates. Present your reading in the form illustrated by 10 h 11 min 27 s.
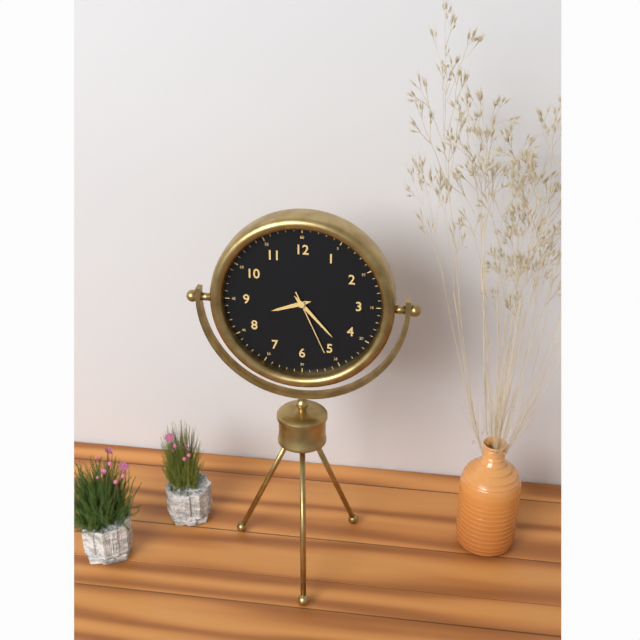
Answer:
8 h 23 min 26 s
